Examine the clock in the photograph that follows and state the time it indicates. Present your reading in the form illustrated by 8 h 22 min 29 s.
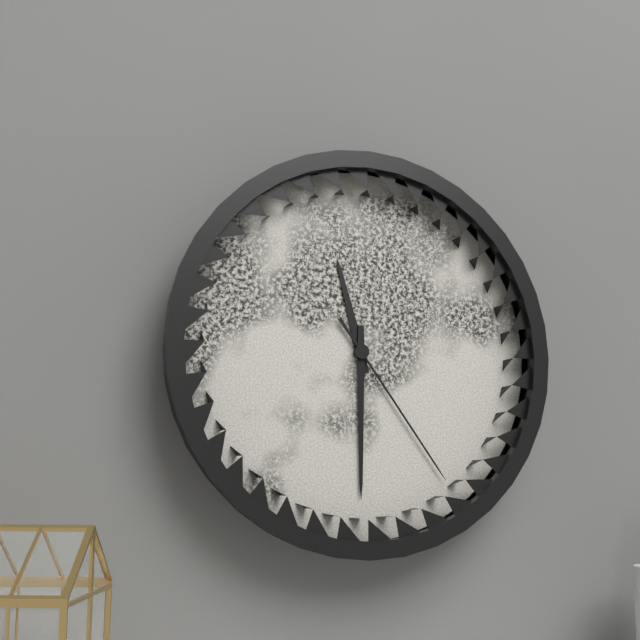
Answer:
11 h 30 min 24 s
